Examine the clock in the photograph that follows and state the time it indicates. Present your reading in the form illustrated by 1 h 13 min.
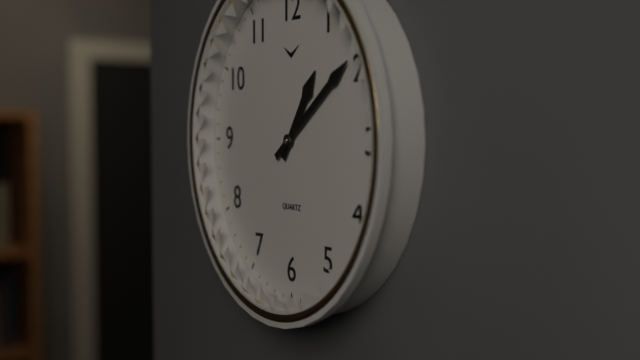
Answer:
1 h 09 min
